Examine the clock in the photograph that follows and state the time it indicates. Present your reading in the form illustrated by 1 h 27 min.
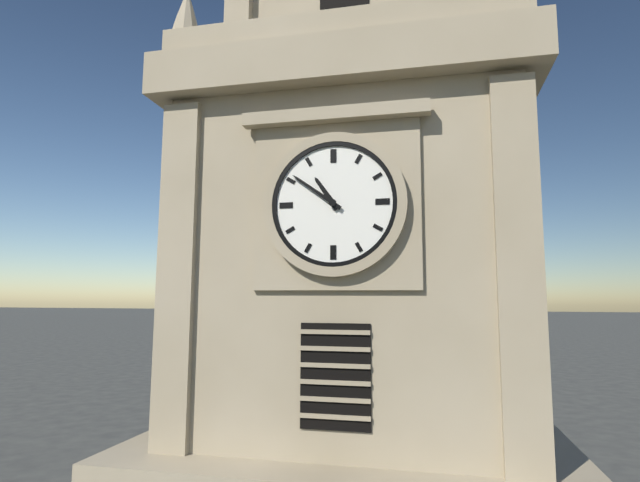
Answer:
10 h 51 min
